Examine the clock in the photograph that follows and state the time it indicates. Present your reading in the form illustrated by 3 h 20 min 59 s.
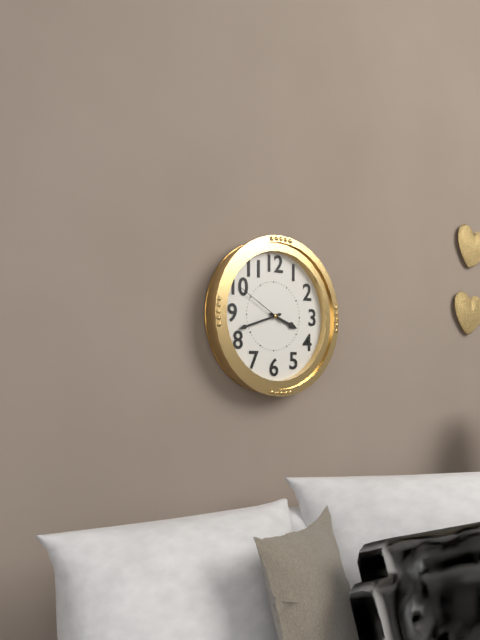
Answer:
3 h 42 min 50 s
